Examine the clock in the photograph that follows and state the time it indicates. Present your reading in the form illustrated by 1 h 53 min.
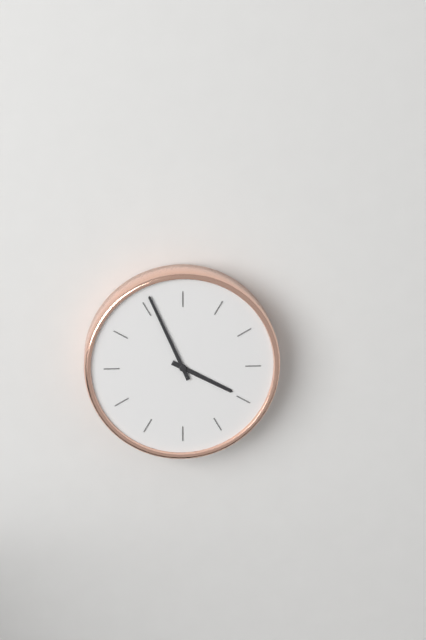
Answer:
3 h 56 min
